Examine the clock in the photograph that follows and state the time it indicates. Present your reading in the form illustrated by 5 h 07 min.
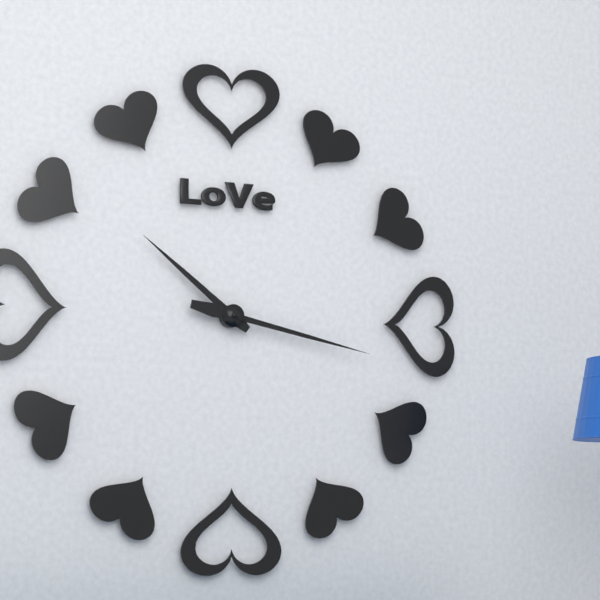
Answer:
10 h 17 min
